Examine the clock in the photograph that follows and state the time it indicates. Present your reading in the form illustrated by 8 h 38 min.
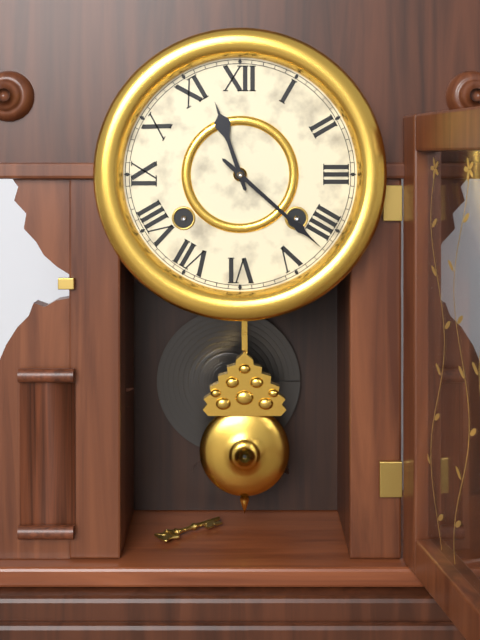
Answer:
11 h 22 min
